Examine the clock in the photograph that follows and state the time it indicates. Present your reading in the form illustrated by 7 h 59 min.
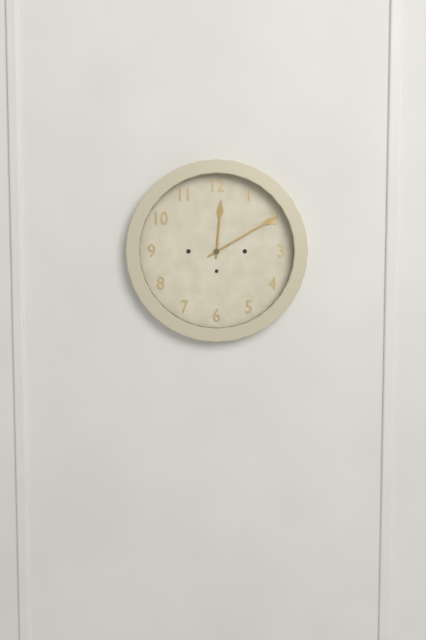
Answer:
12 h 10 min
